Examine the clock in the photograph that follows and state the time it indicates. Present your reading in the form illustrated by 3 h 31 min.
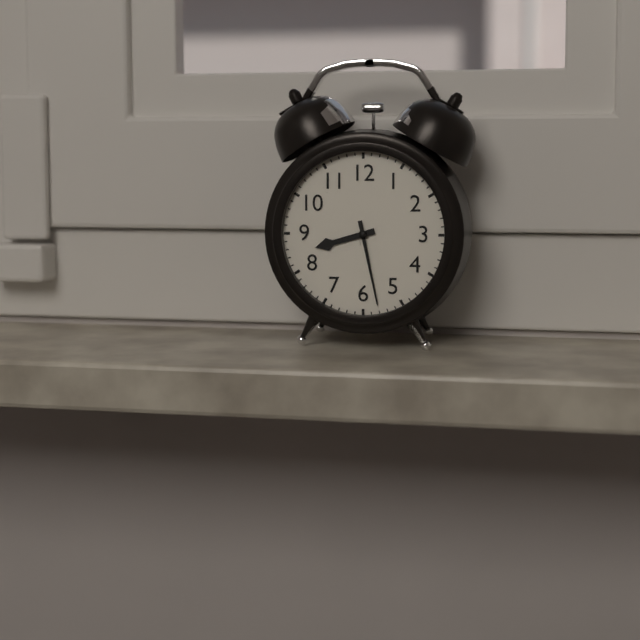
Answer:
8 h 28 min
